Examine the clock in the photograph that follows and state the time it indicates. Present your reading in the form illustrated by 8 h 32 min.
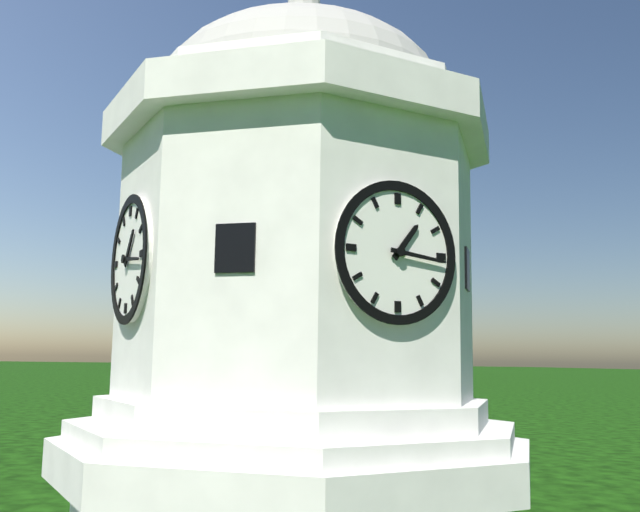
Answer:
1 h 16 min
